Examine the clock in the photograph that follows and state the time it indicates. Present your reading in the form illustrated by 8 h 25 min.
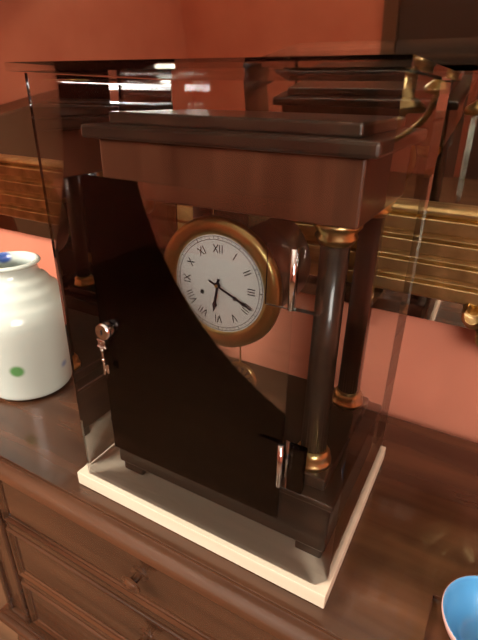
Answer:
6 h 19 min
